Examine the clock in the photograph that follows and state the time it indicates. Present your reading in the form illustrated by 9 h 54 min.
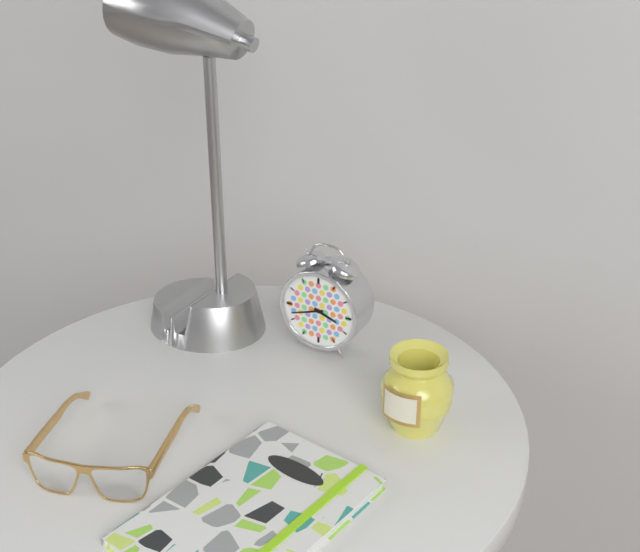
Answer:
3 h 42 min
